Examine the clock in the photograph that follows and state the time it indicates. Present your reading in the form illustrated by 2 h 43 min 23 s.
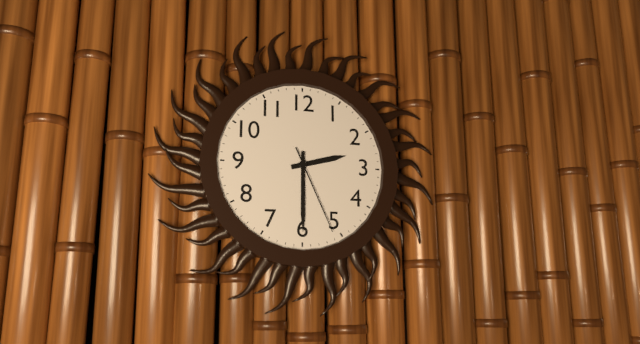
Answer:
2 h 30 min 26 s
